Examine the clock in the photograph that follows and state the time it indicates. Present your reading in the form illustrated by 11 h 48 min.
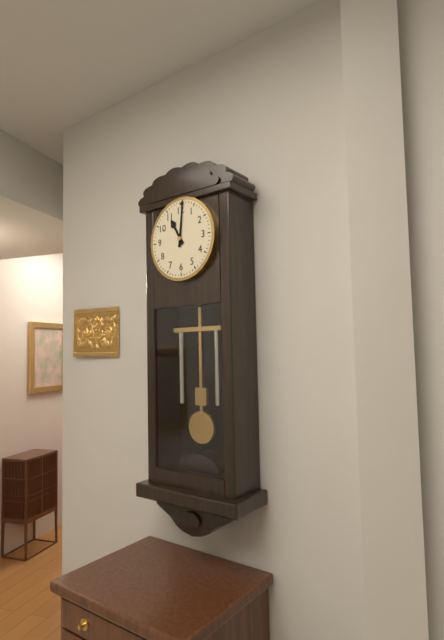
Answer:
11 h 01 min
